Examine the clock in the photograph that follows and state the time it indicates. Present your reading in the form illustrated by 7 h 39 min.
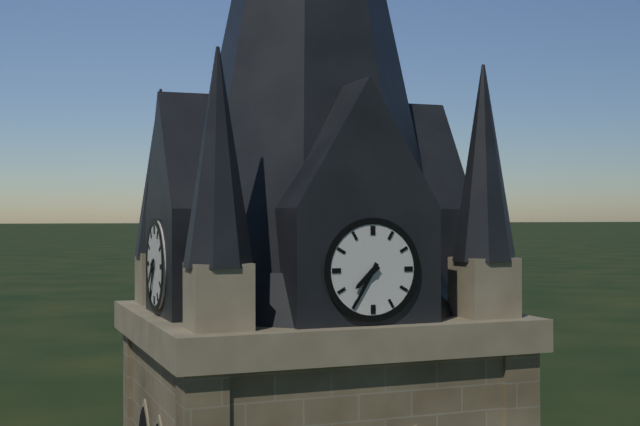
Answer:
7 h 35 min
